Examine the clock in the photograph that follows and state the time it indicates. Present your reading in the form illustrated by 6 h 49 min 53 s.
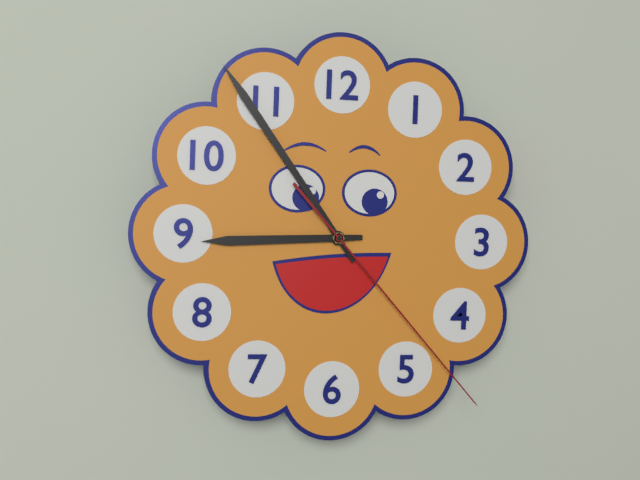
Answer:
8 h 54 min 23 s
